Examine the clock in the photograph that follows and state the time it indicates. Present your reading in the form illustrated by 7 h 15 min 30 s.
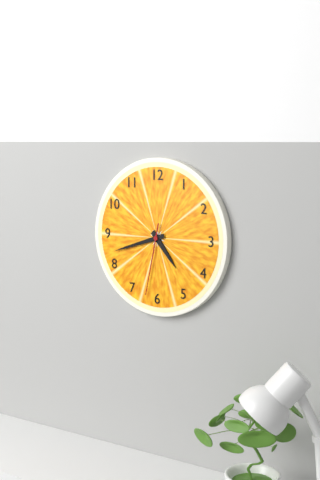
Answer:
4 h 42 min 32 s
